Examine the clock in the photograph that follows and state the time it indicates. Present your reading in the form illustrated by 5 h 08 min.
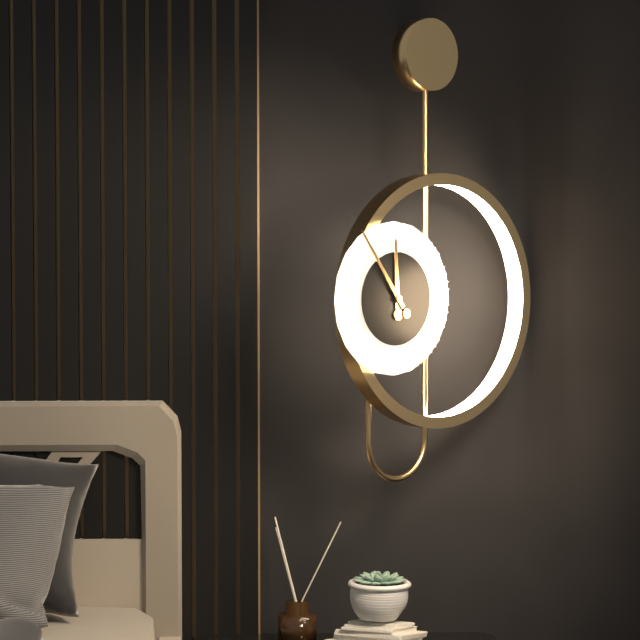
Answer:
11 h 54 min
